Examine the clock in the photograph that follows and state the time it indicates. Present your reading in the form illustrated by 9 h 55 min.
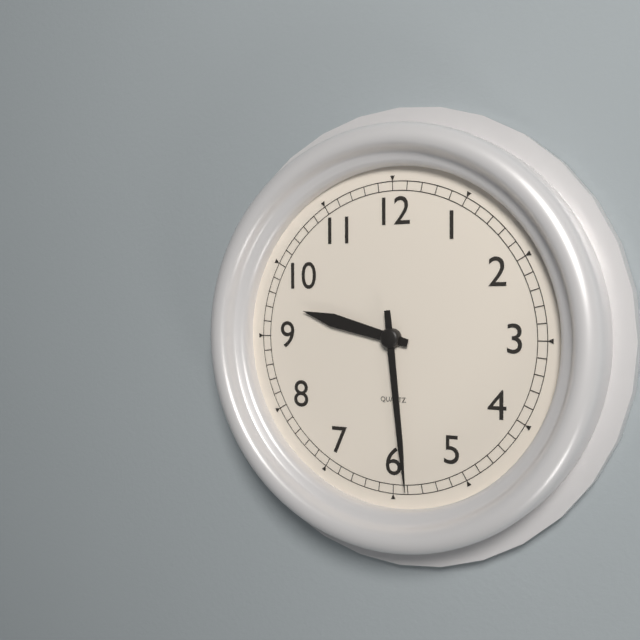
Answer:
9 h 29 min
